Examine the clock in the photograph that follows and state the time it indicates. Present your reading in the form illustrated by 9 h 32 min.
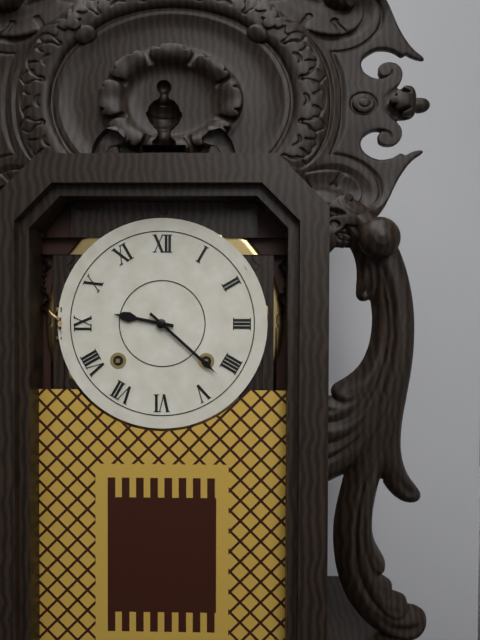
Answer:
9 h 22 min
